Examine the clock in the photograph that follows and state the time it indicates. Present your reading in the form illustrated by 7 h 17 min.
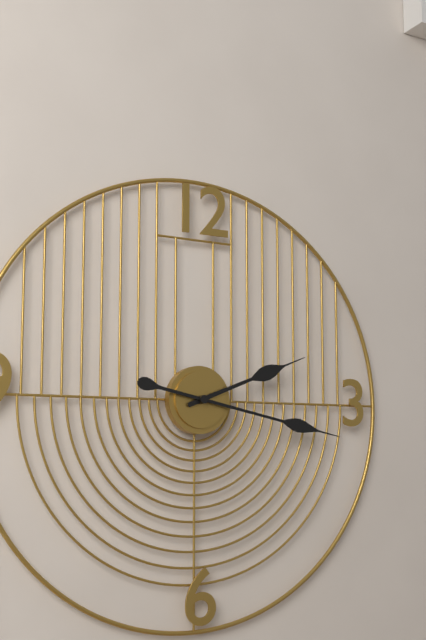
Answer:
2 h 17 min
